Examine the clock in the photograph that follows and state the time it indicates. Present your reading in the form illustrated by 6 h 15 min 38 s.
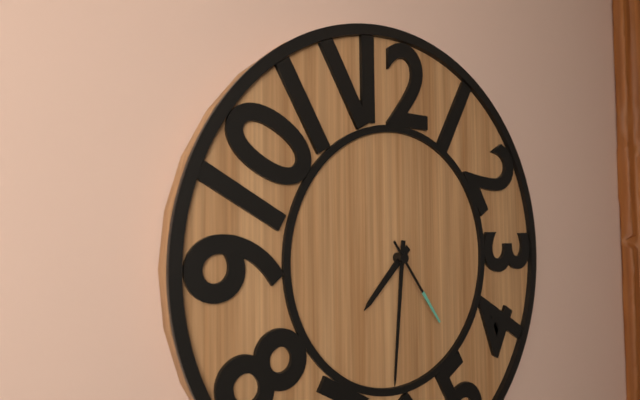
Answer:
7 h 31 min 24 s
